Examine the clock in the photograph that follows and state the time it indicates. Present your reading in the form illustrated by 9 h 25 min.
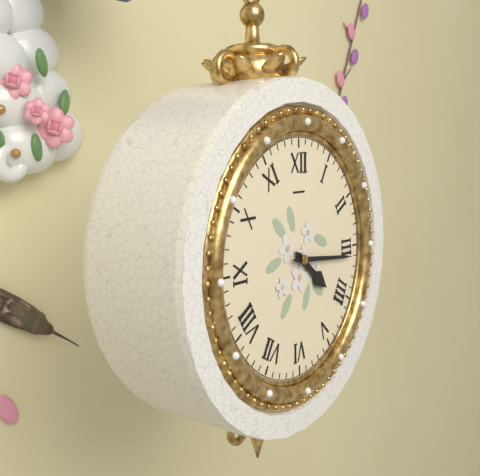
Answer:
4 h 16 min
